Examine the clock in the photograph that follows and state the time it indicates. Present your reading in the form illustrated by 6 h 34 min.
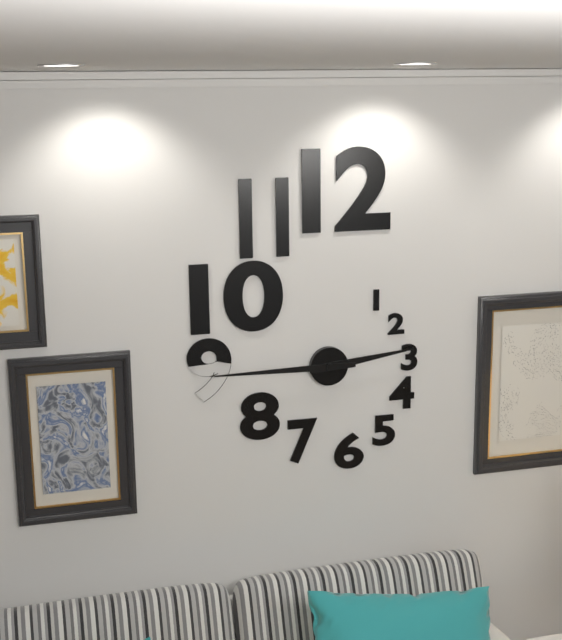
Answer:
2 h 45 min
